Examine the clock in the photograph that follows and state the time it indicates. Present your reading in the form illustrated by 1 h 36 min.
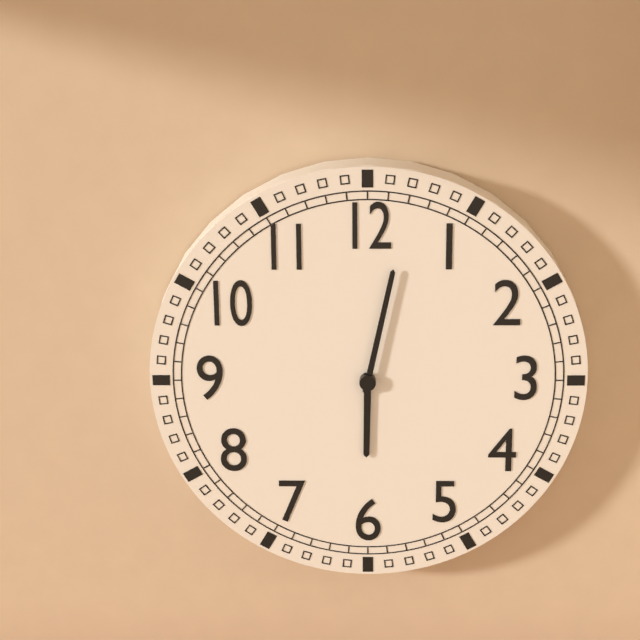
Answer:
6 h 02 min
